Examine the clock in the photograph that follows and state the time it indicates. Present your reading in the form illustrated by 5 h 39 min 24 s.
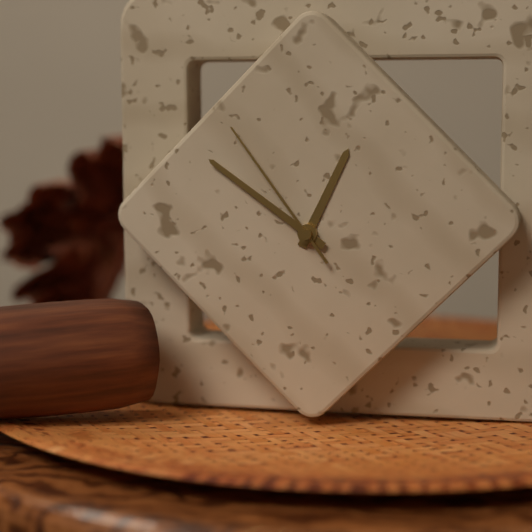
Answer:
12 h 51 min 54 s
